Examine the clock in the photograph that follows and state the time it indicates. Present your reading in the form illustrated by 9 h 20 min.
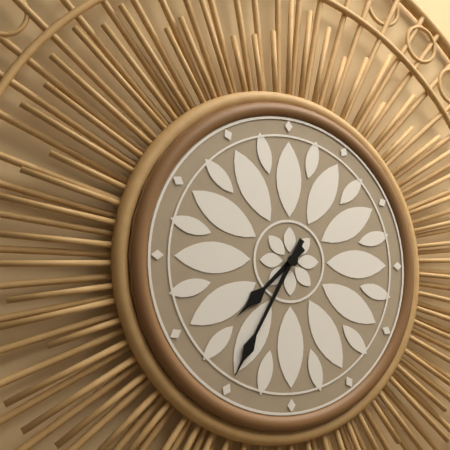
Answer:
7 h 35 min
